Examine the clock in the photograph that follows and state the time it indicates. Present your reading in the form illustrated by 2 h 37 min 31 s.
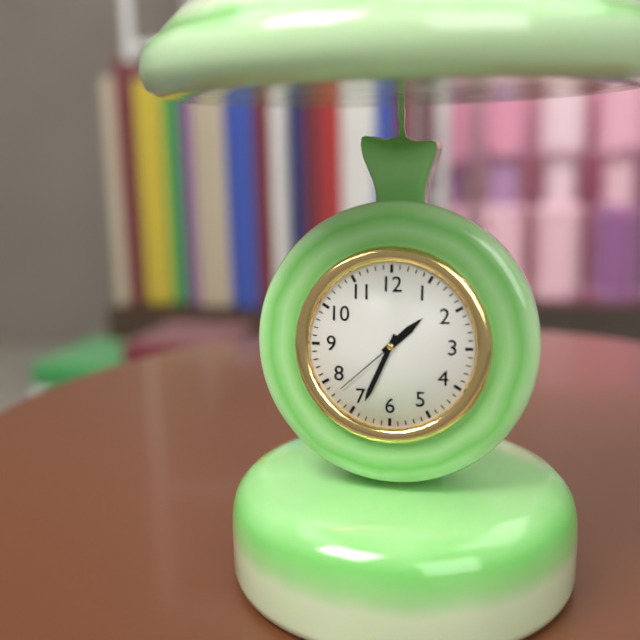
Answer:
1 h 34 min 38 s
